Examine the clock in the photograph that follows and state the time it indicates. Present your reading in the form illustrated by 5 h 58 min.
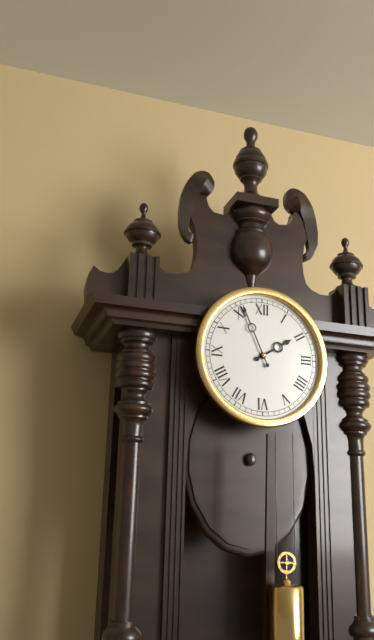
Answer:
1 h 56 min
